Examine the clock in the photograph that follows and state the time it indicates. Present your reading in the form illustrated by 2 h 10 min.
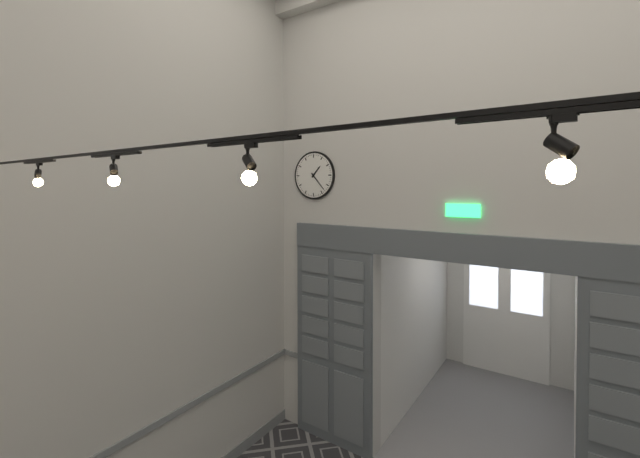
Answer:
1 h 23 min
